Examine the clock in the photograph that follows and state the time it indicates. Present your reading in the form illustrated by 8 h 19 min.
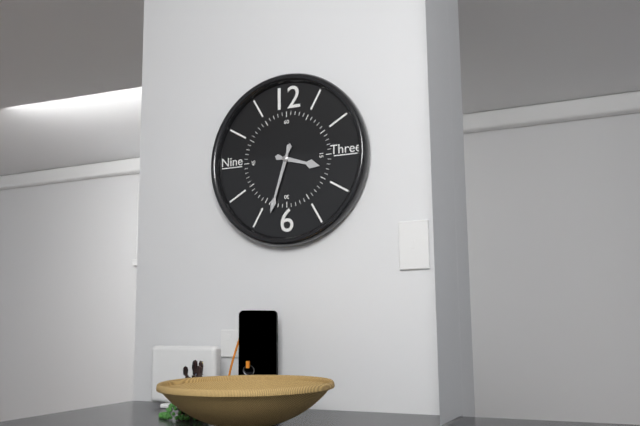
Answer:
3 h 33 min
